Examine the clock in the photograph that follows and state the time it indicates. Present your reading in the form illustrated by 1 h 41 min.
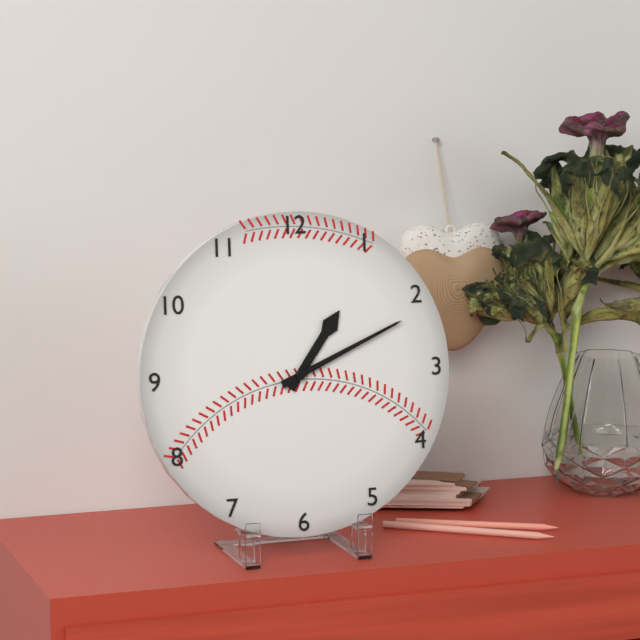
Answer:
1 h 11 min
